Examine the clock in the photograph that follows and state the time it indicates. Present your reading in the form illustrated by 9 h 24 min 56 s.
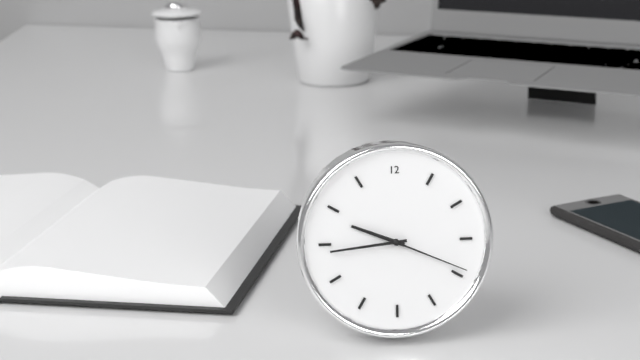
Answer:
9 h 44 min 19 s
